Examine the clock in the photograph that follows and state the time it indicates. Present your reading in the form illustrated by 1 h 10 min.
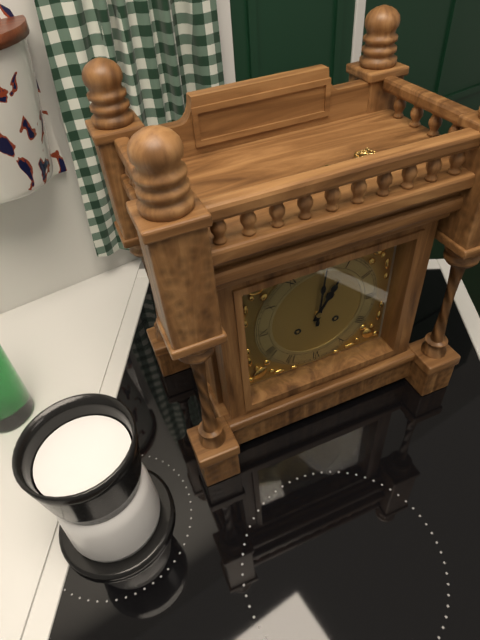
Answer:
1 h 01 min
